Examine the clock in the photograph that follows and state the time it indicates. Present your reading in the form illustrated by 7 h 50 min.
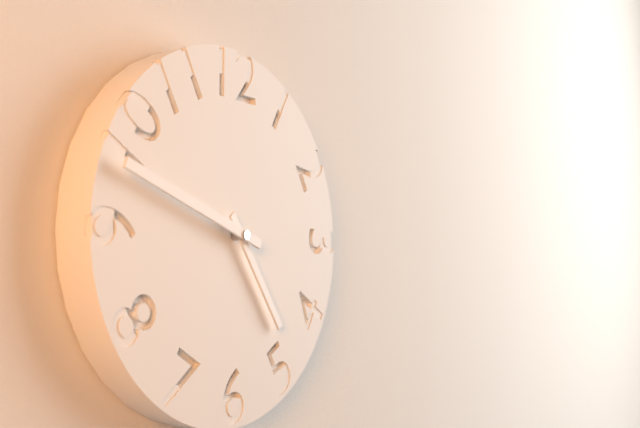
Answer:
4 h 48 min
